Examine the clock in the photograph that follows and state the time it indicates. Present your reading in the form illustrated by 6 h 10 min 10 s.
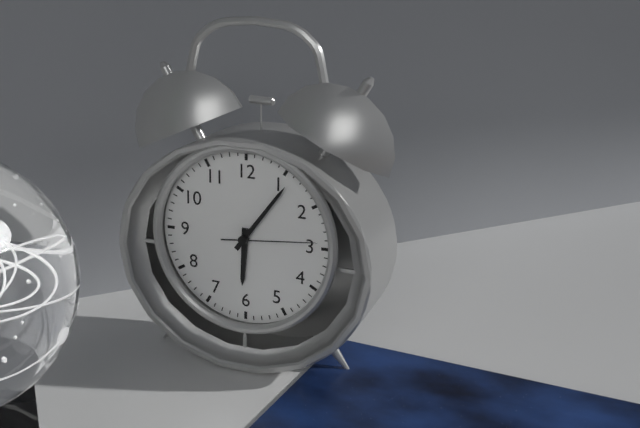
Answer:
6 h 06 min 14 s
